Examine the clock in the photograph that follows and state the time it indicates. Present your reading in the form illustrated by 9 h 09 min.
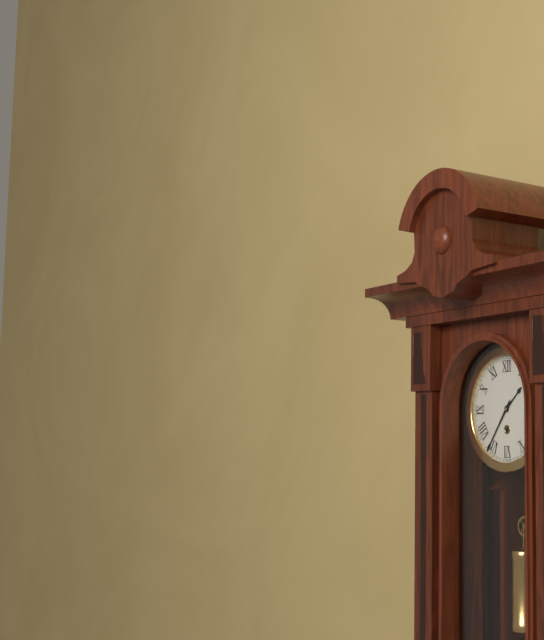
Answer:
1 h 36 min
